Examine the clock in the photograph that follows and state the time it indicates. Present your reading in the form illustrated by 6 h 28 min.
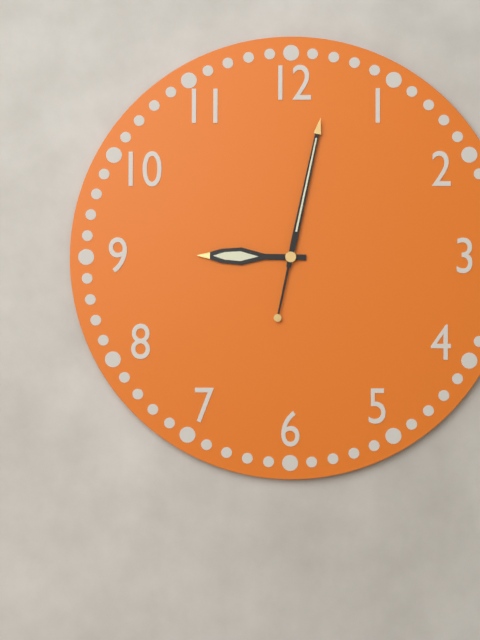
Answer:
9 h 02 min
